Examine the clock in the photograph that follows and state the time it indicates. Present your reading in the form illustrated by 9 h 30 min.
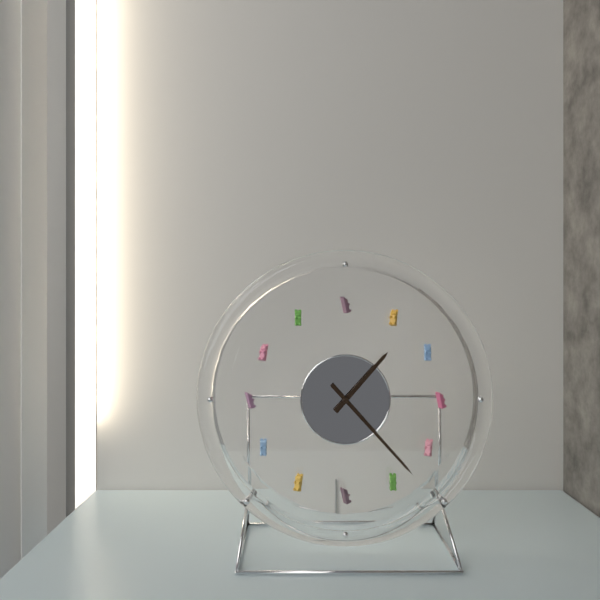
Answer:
1 h 23 min
